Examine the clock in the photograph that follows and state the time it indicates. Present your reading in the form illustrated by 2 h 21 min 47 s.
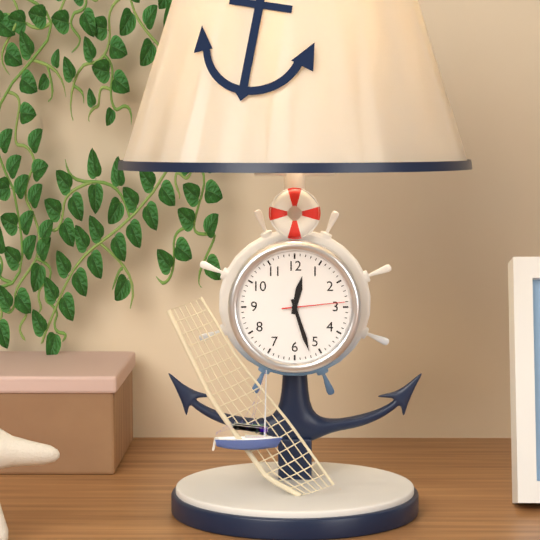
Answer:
12 h 27 min 14 s
